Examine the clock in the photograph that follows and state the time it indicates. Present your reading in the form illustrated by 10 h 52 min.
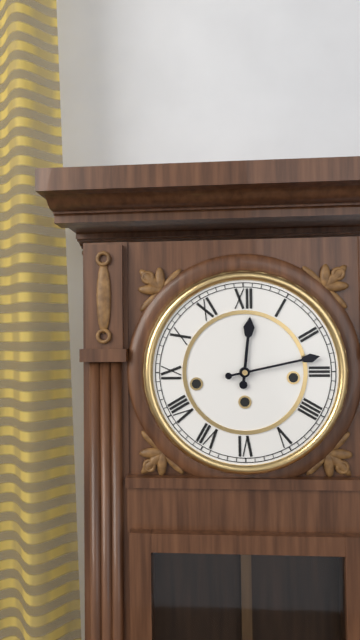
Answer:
12 h 13 min
